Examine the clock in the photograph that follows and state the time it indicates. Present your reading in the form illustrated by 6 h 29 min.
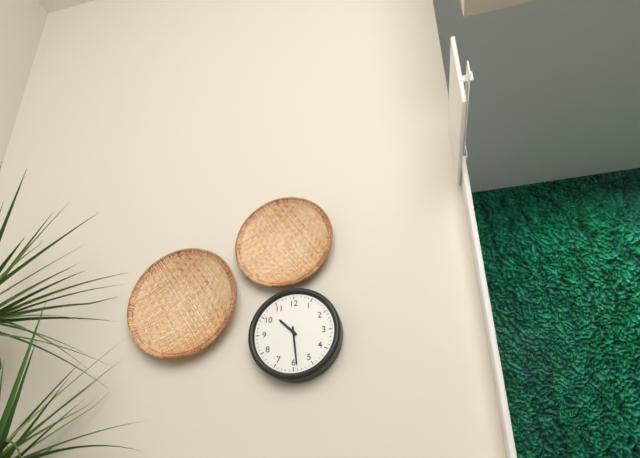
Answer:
10 h 29 min
